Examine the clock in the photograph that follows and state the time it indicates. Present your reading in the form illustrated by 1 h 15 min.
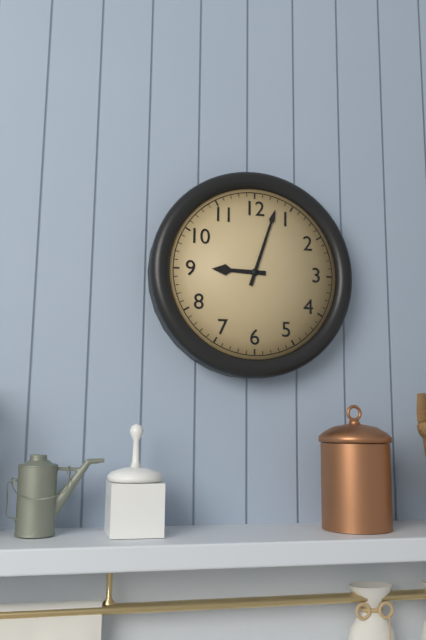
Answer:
9 h 03 min
